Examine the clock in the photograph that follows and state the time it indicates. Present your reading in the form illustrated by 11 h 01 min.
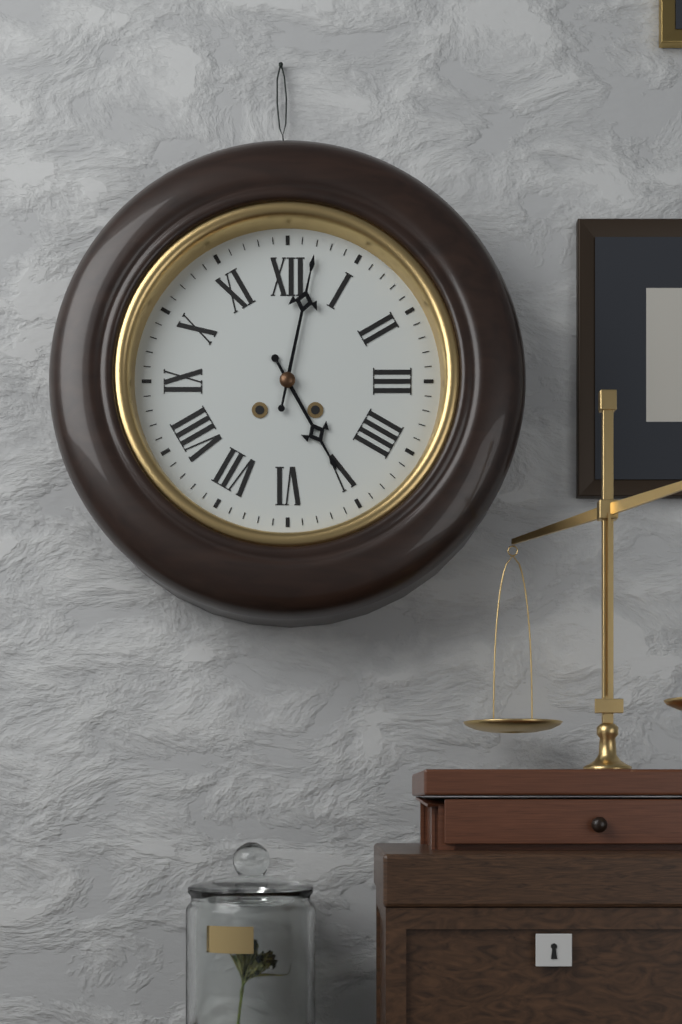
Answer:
5 h 02 min
